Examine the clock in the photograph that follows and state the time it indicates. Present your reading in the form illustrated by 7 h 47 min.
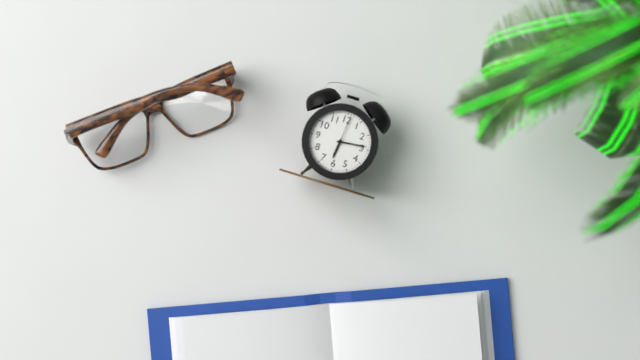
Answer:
6 h 14 min
